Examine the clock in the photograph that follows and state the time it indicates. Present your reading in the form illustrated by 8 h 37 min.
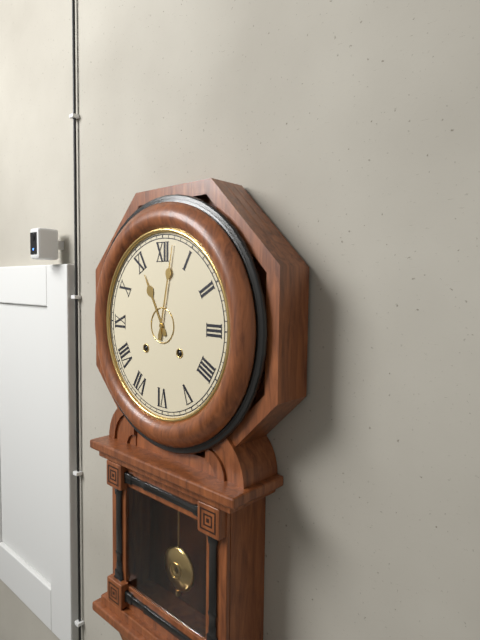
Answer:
11 h 02 min
